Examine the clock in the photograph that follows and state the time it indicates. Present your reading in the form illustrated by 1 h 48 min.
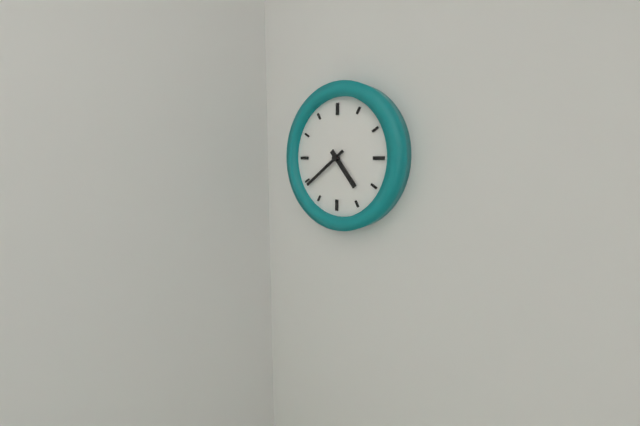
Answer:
4 h 39 min
